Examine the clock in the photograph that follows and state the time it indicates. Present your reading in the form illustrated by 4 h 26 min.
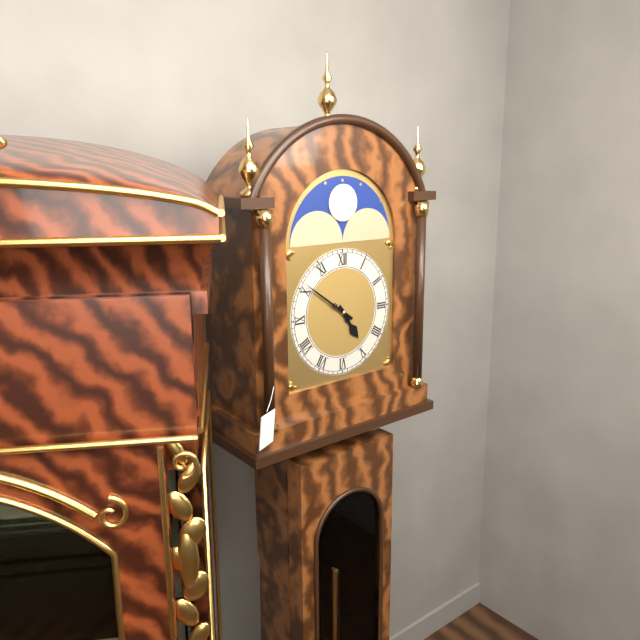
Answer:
4 h 51 min
